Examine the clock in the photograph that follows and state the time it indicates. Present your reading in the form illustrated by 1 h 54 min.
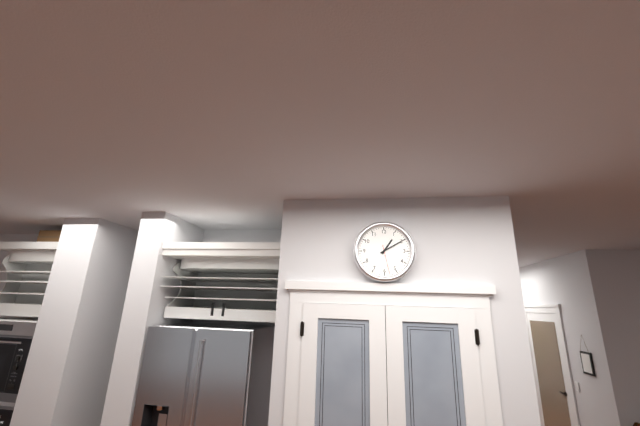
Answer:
1 h 10 min
